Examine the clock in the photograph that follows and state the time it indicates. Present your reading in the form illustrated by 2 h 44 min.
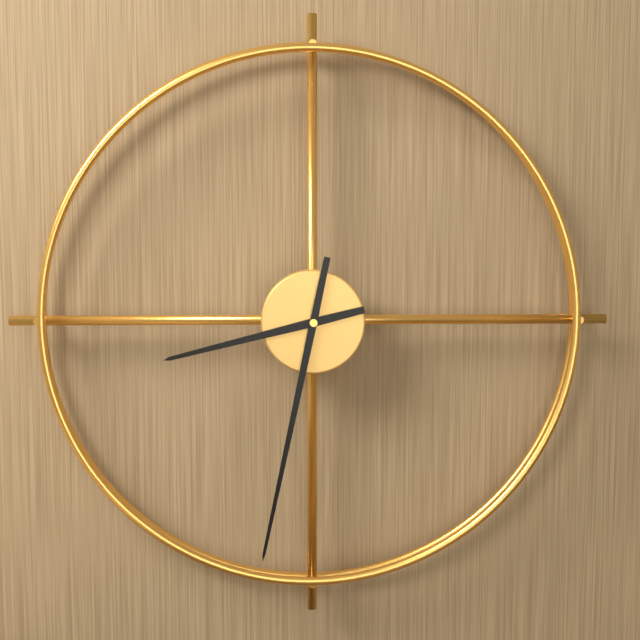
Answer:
8 h 32 min
